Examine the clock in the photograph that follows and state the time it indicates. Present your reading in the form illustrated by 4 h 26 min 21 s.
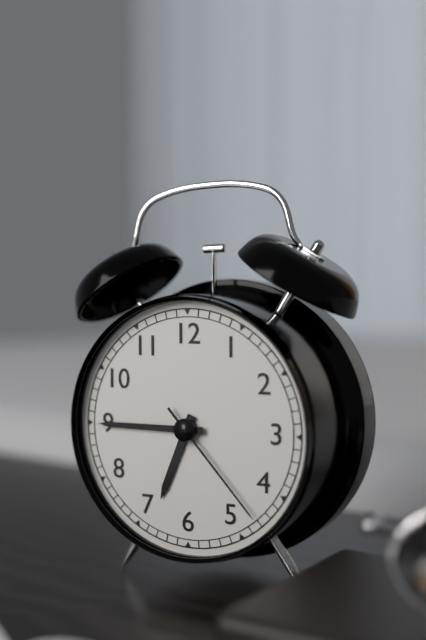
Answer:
6 h 45 min 23 s
